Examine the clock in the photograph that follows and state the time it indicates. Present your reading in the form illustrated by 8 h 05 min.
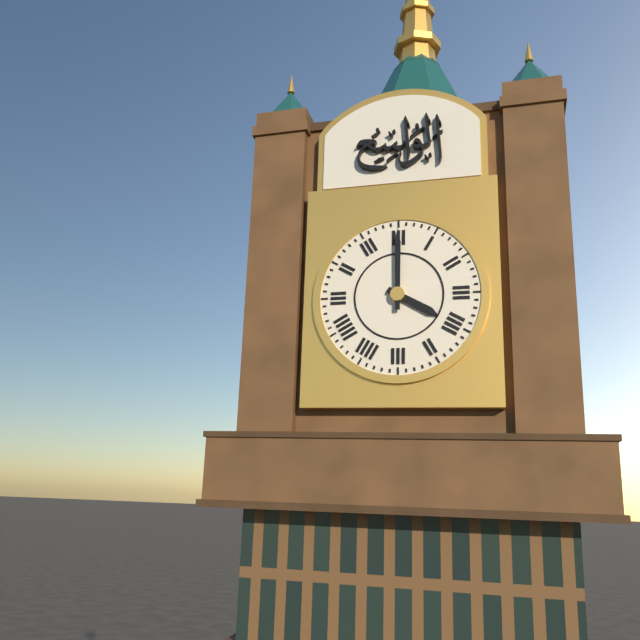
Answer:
4 h 00 min
